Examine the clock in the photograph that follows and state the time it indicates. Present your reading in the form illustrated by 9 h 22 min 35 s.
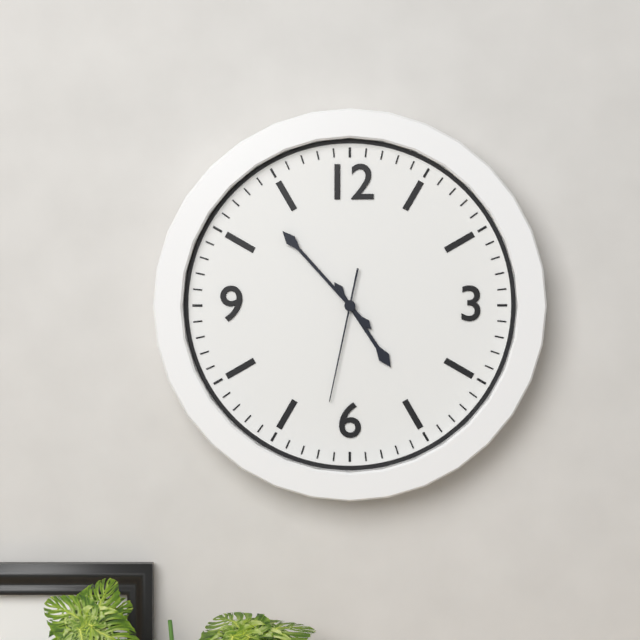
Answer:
4 h 53 min 32 s
